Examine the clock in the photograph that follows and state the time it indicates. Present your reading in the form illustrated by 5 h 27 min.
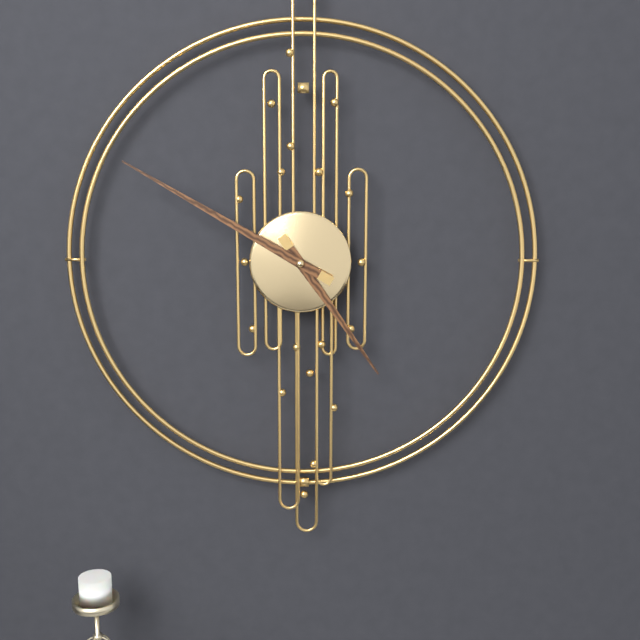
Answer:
4 h 50 min
